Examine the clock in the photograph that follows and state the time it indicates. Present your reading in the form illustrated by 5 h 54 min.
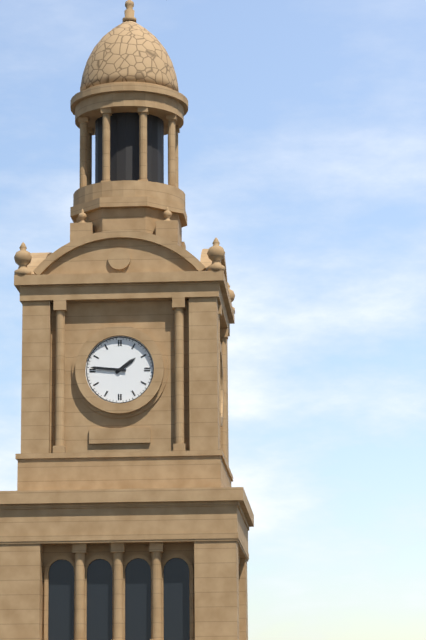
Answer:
1 h 46 min
